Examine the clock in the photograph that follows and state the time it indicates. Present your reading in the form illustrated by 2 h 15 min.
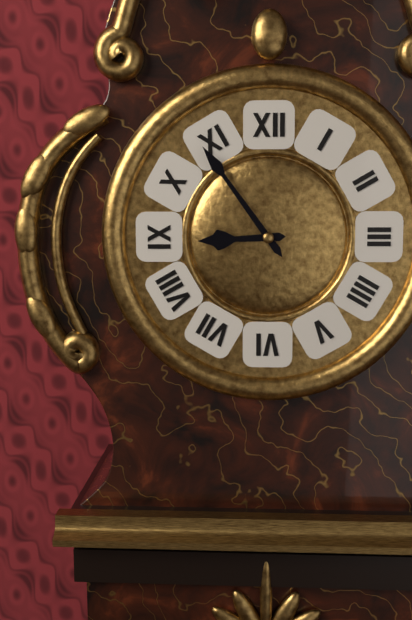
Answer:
8 h 54 min
